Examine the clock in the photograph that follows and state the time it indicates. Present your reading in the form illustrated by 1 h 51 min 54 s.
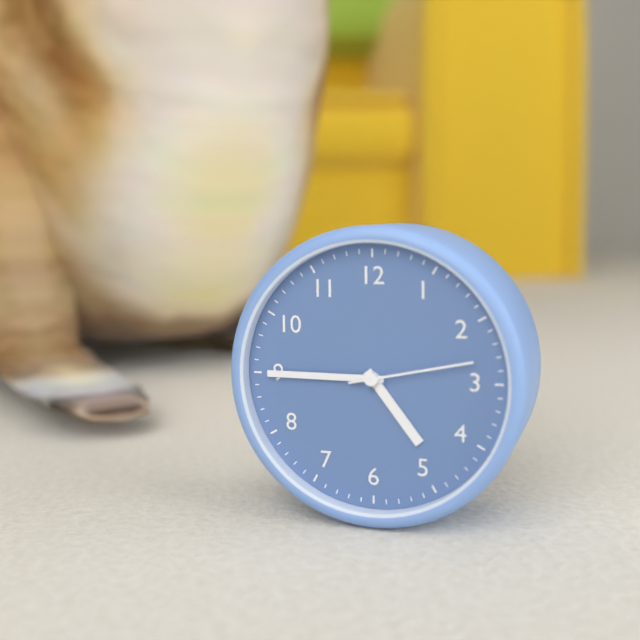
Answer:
4 h 45 min 13 s
